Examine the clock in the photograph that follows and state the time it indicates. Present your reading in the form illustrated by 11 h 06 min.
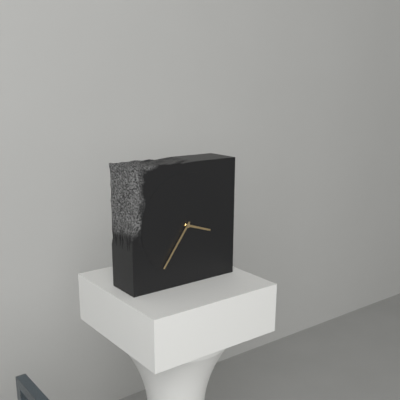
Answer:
3 h 36 min
